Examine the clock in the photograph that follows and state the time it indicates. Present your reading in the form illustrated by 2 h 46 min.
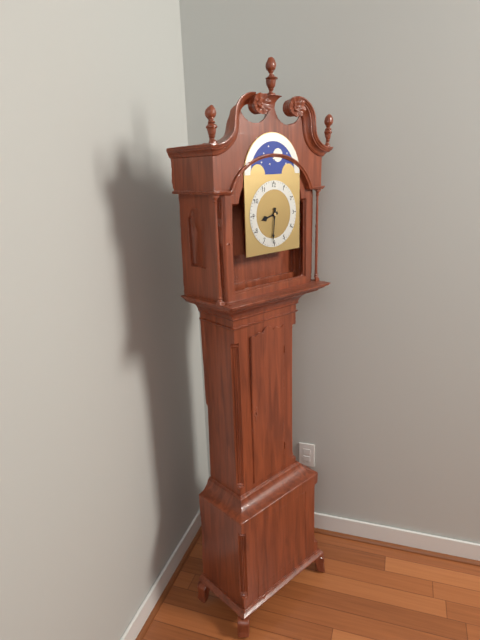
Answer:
8 h 31 min
